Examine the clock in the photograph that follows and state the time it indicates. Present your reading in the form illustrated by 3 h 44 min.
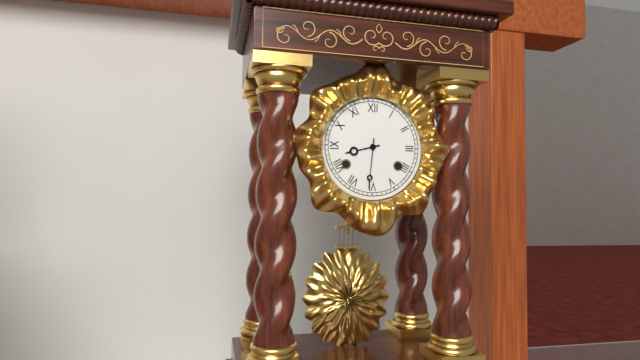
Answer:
8 h 31 min
